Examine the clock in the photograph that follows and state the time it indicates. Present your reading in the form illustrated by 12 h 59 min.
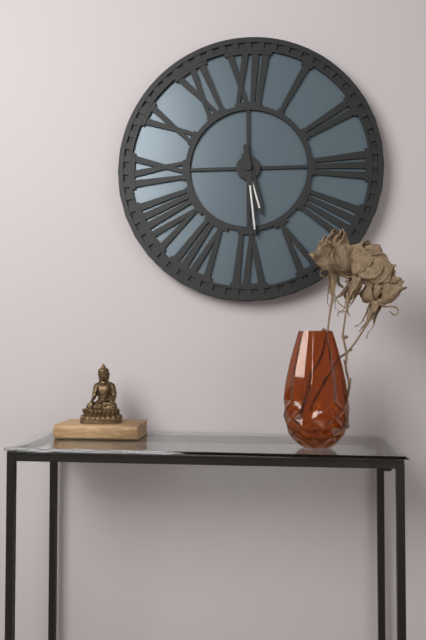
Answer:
5 h 29 min
